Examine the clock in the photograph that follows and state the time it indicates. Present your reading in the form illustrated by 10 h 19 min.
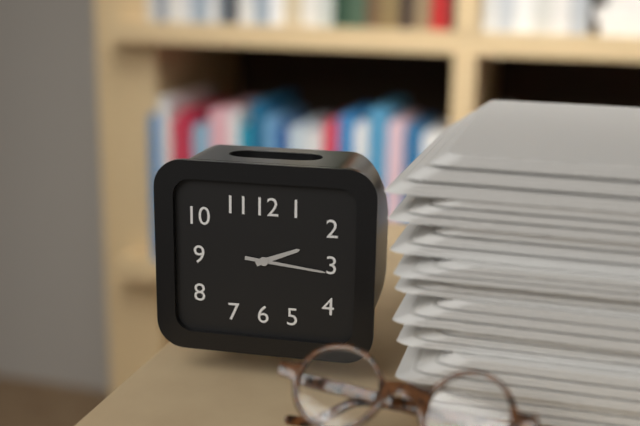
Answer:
2 h 16 min
